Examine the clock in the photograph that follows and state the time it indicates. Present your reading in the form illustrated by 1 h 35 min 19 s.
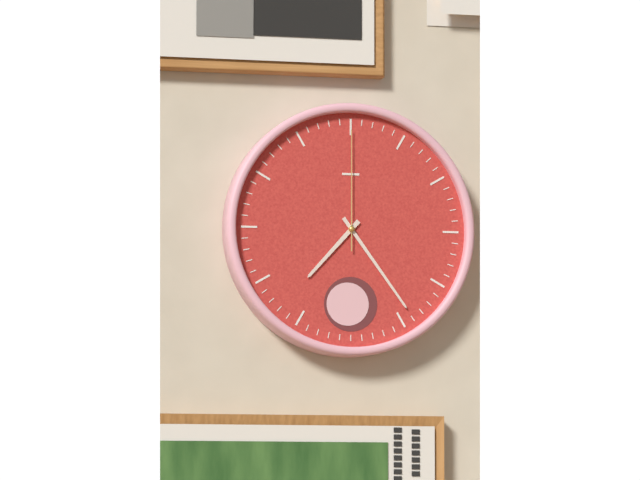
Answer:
7 h 24 min 00 s
